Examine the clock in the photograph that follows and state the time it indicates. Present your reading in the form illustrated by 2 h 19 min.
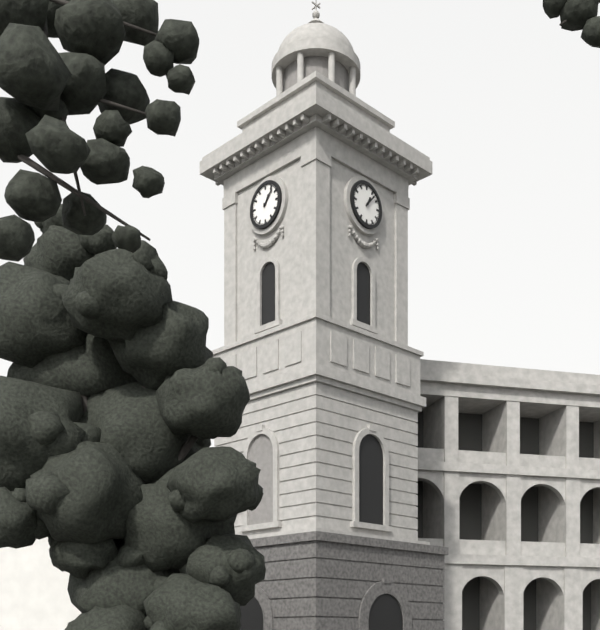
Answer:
1 h 07 min
